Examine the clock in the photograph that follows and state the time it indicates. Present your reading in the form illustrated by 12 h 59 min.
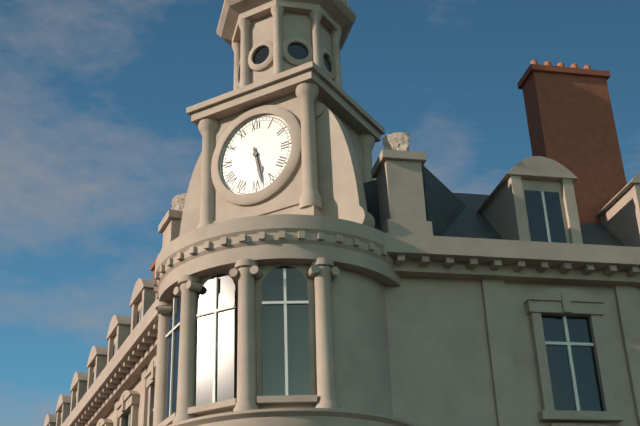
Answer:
5 h 28 min
